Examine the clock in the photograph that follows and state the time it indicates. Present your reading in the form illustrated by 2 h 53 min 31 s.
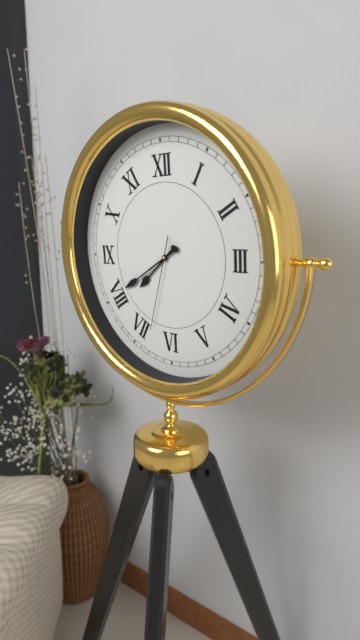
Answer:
7 h 40 min 33 s
